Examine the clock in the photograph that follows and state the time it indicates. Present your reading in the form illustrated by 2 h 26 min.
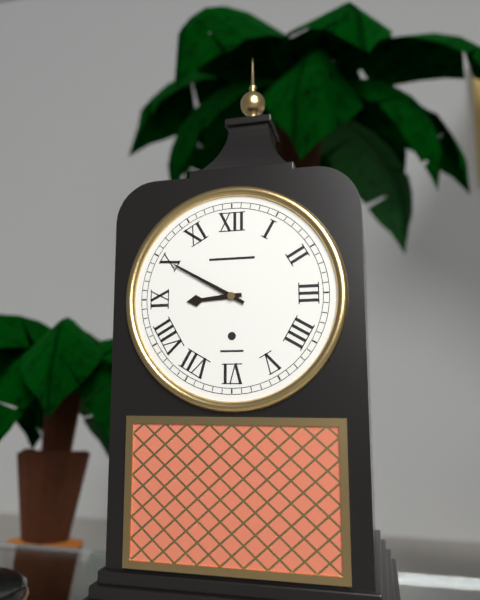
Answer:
8 h 50 min
